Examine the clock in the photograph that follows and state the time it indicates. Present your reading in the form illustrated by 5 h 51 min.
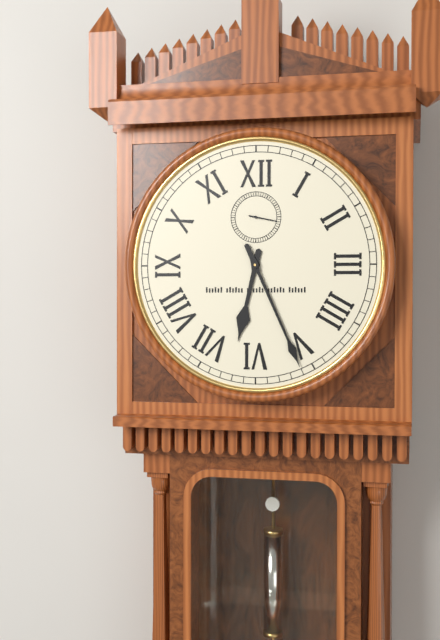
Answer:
6 h 26 min
